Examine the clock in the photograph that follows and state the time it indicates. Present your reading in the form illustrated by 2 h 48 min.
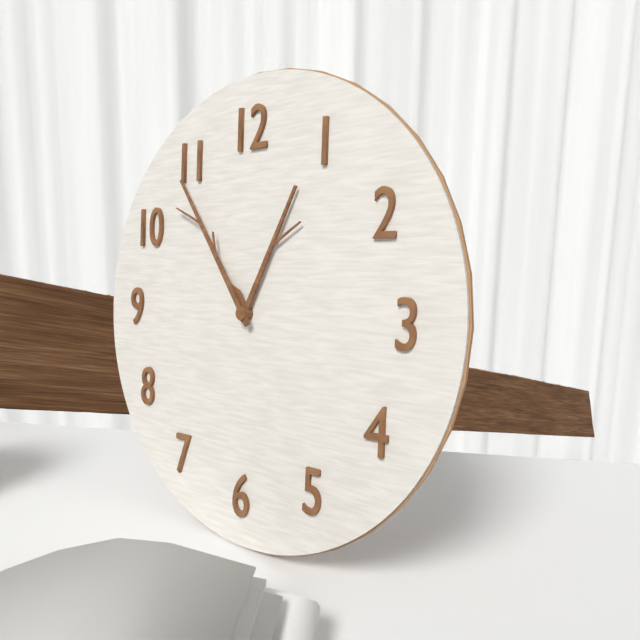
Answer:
12 h 54 min
